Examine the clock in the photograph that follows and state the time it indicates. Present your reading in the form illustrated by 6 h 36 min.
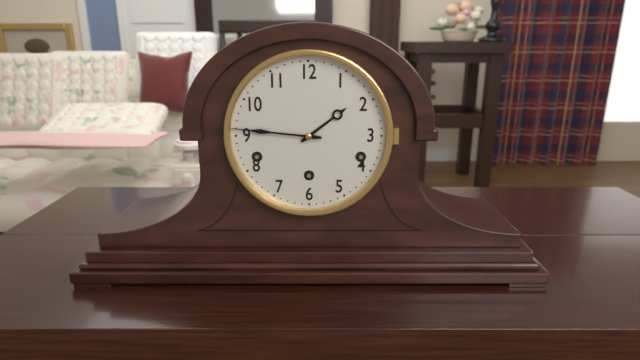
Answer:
1 h 46 min
